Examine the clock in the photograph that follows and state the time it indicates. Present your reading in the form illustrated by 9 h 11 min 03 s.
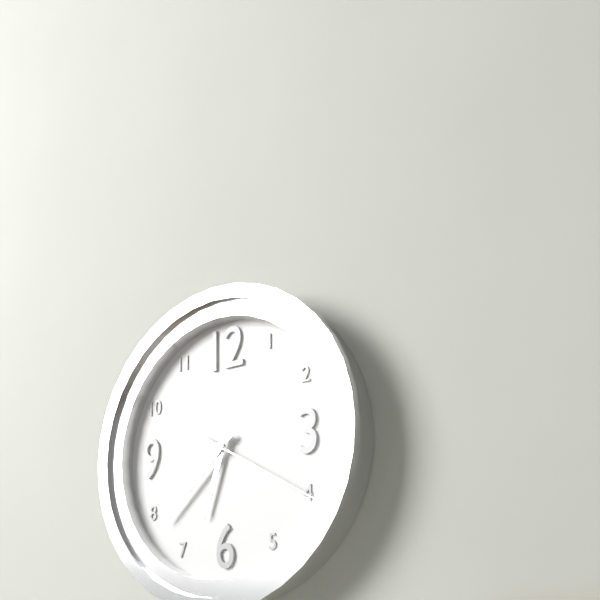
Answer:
6 h 38 min 20 s
